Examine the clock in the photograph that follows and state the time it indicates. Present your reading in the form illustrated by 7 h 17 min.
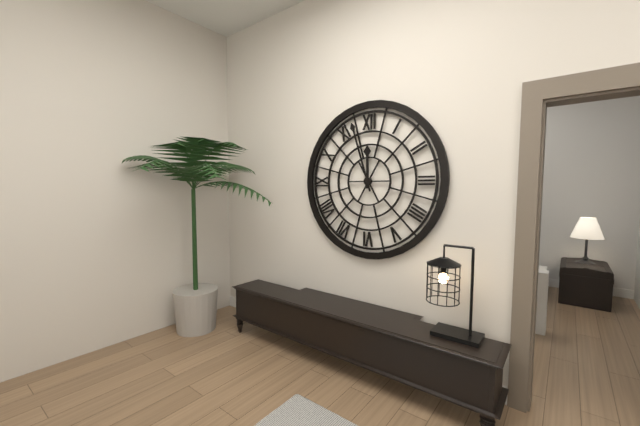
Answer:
11 h 57 min
